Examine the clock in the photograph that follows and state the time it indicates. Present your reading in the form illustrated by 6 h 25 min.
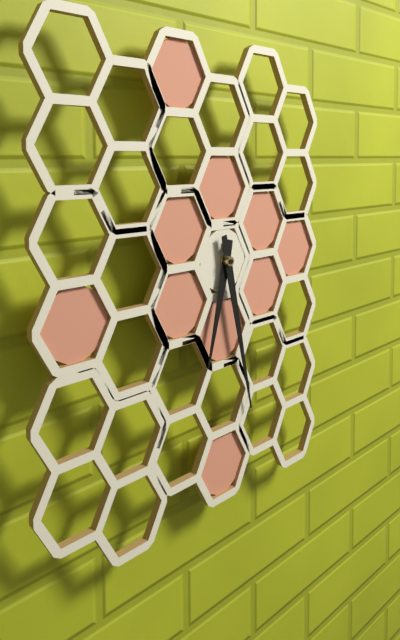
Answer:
6 h 28 min
